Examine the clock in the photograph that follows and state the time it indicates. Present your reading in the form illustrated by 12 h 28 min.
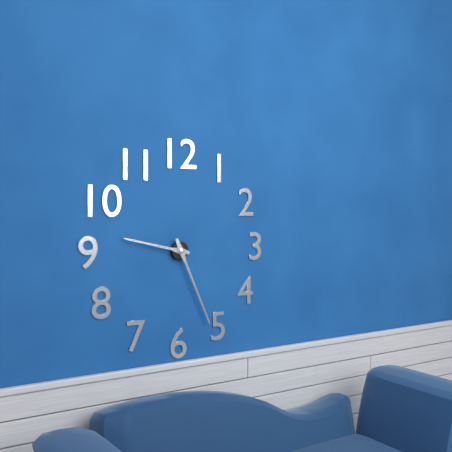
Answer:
9 h 26 min
